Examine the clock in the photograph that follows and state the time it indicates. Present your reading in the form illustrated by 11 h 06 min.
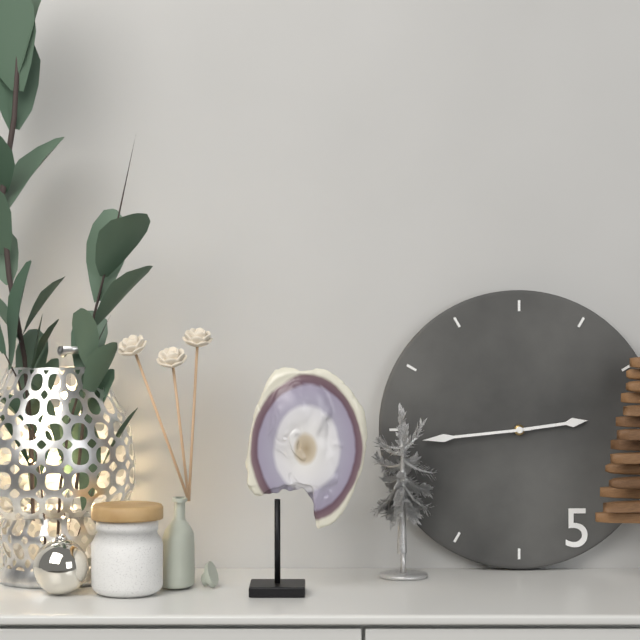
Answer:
2 h 44 min
